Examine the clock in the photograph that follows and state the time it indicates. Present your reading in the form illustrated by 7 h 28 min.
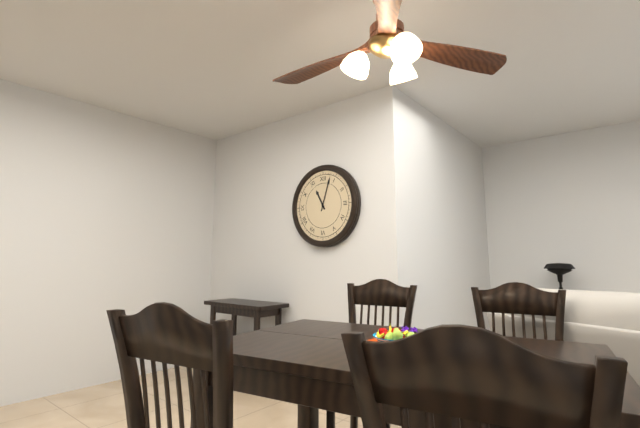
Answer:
11 h 03 min
